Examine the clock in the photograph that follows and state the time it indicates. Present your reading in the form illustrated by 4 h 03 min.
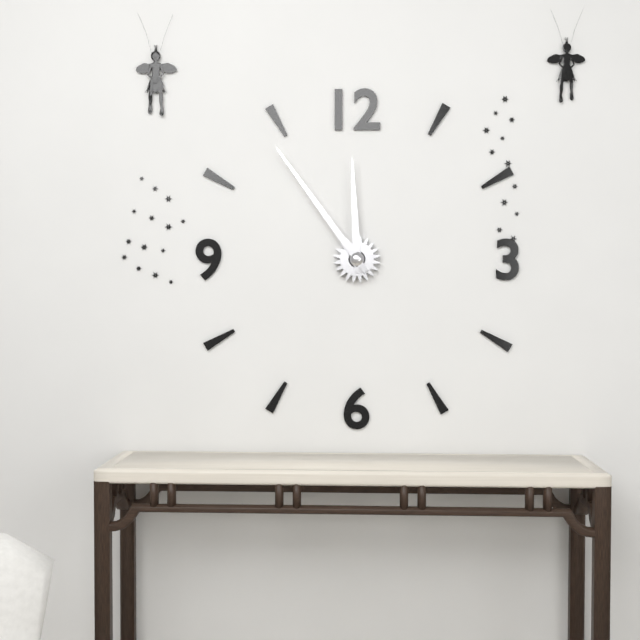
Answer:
11 h 54 min
